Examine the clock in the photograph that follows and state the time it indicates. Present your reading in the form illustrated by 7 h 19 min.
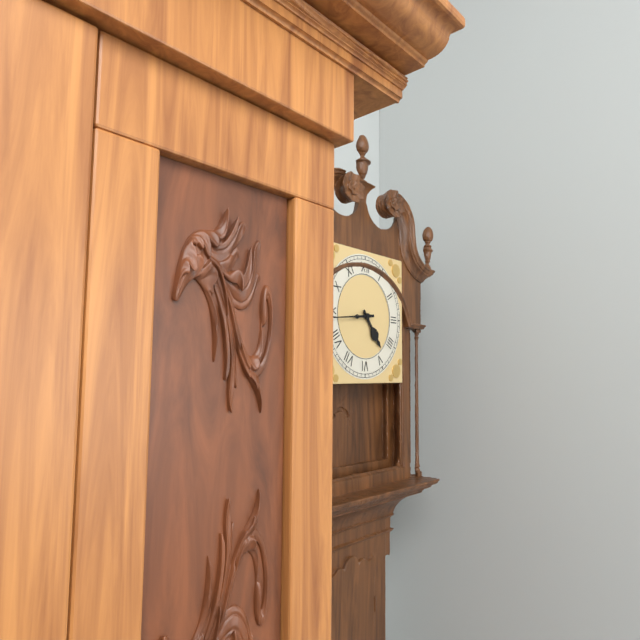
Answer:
4 h 44 min
